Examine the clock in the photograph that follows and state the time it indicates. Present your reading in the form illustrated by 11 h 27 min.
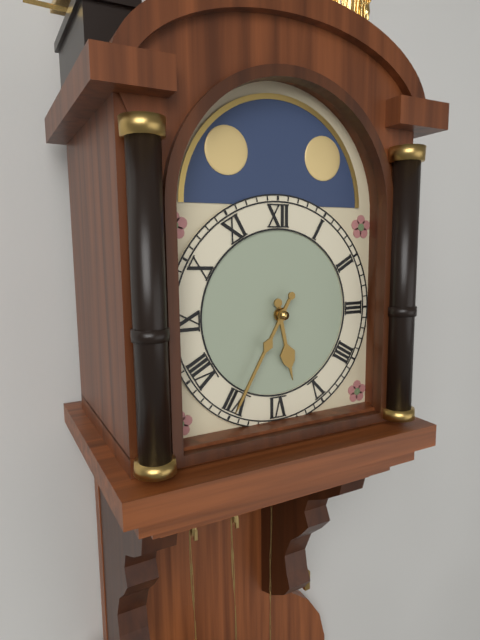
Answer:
5 h 35 min
